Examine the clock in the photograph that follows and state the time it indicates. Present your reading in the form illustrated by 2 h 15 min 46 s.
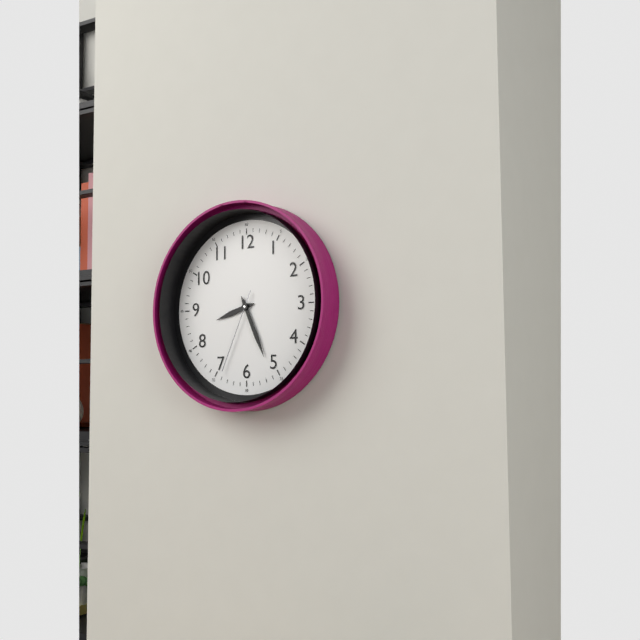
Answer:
8 h 26 min 34 s
